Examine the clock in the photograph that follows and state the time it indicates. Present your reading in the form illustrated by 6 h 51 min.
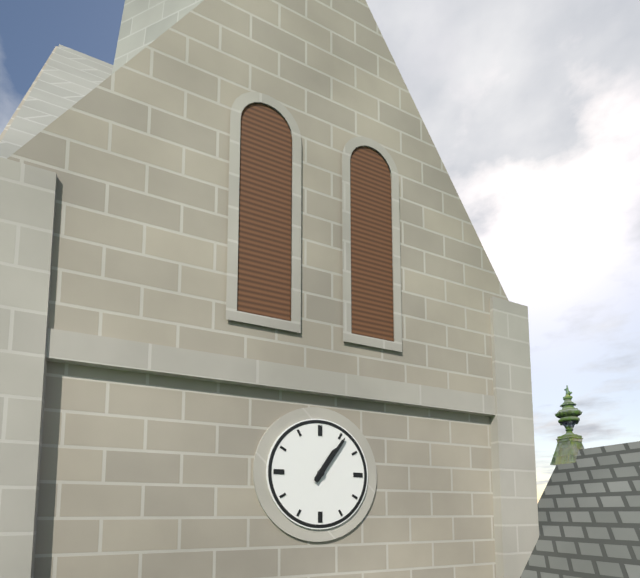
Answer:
1 h 06 min
